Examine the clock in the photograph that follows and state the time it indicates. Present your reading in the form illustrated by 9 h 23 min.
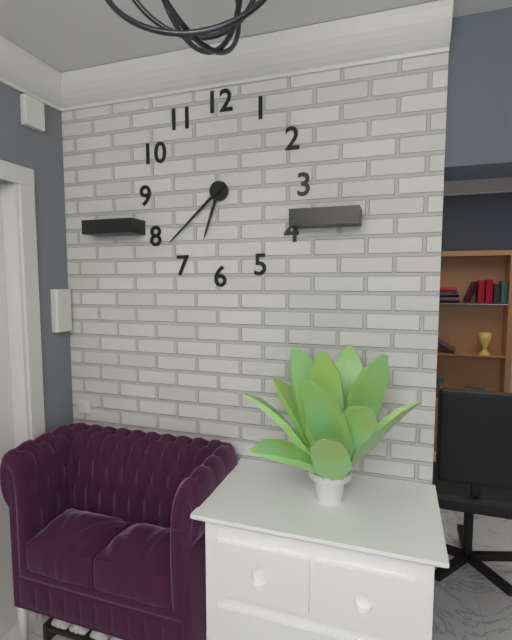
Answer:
6 h 38 min
